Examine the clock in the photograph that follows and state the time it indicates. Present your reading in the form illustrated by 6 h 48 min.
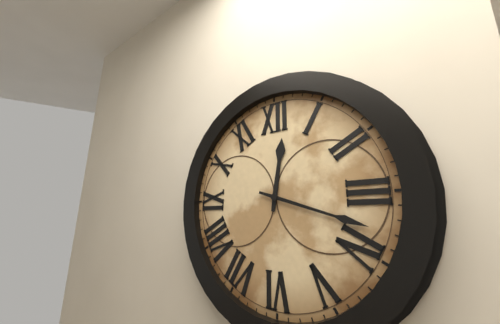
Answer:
12 h 18 min
